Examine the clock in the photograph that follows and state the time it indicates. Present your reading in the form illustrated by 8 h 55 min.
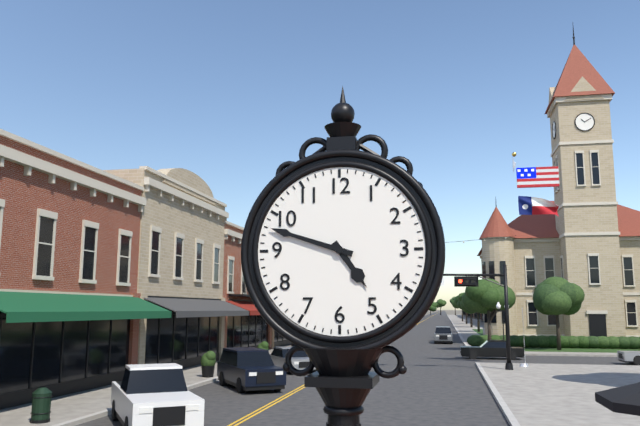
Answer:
4 h 48 min
